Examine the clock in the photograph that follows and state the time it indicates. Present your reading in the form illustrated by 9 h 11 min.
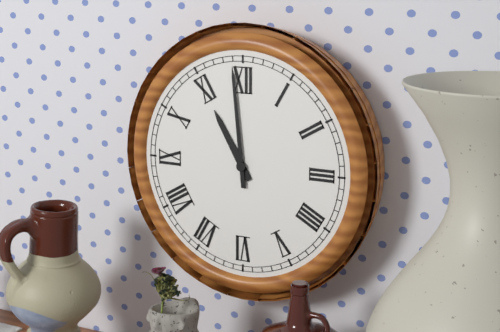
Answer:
10 h 59 min
